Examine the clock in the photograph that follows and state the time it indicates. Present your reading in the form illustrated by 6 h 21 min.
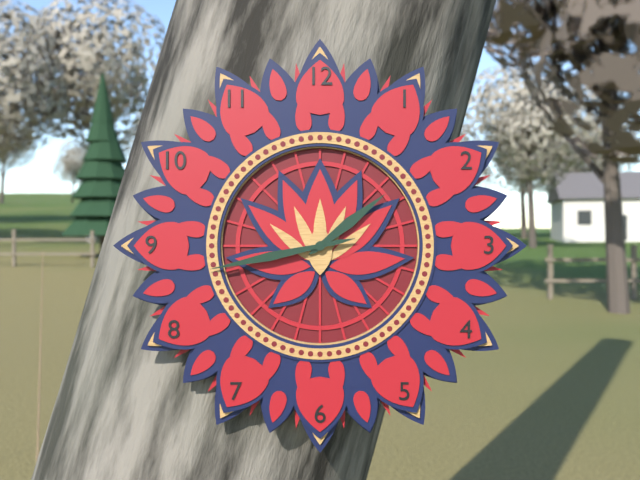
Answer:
1 h 43 min
